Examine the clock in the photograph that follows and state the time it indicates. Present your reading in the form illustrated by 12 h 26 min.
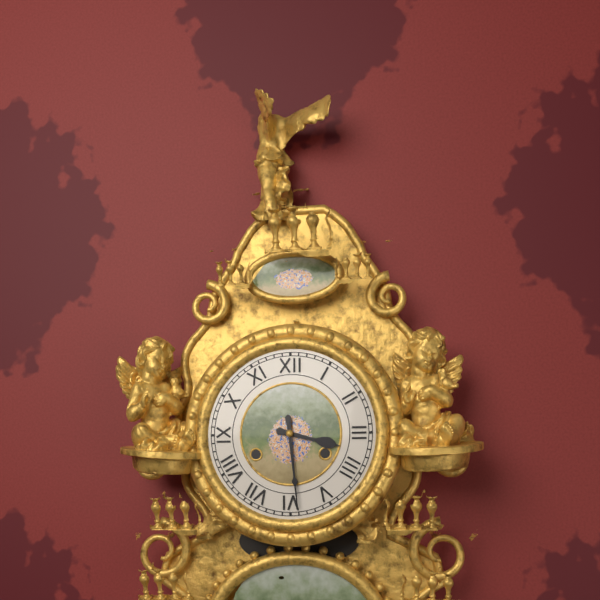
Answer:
3 h 29 min
